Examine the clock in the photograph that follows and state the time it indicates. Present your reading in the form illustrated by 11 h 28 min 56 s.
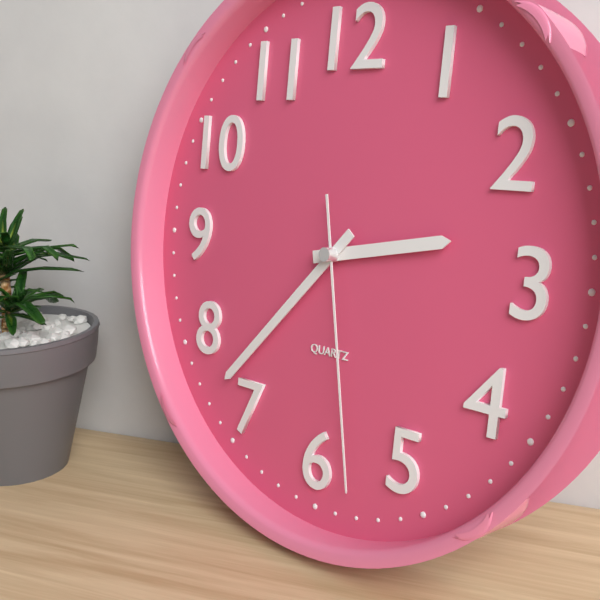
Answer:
2 h 37 min 28 s
